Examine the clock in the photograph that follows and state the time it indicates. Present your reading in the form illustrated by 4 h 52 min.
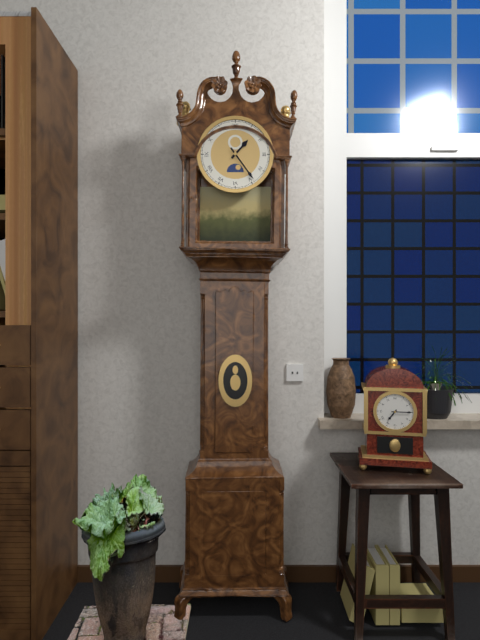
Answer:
1 h 24 min
